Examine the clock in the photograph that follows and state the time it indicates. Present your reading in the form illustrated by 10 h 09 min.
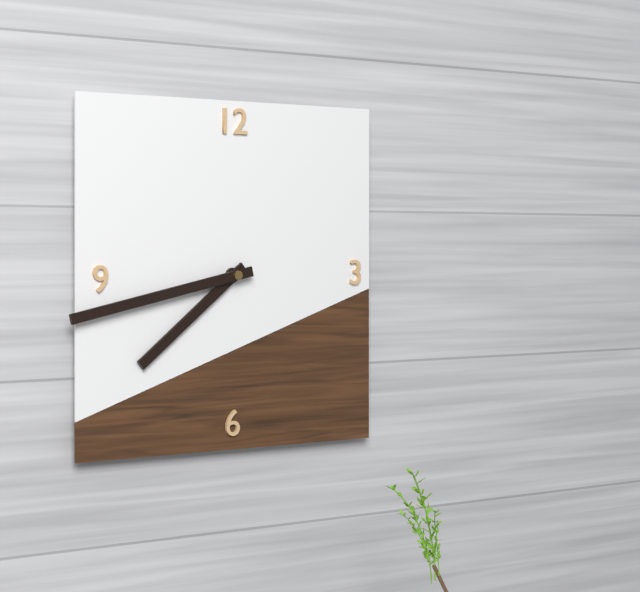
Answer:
7 h 43 min
